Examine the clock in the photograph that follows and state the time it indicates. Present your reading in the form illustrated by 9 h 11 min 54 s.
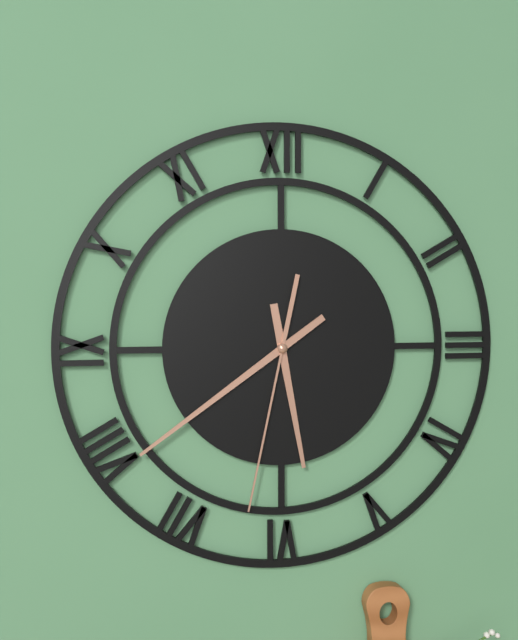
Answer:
5 h 39 min 32 s
